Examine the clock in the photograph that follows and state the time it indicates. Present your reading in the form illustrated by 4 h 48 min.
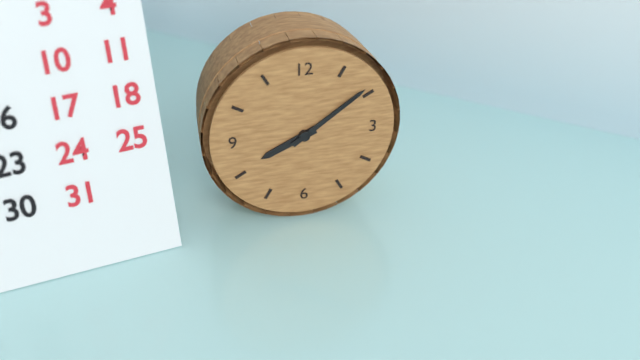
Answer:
8 h 09 min
